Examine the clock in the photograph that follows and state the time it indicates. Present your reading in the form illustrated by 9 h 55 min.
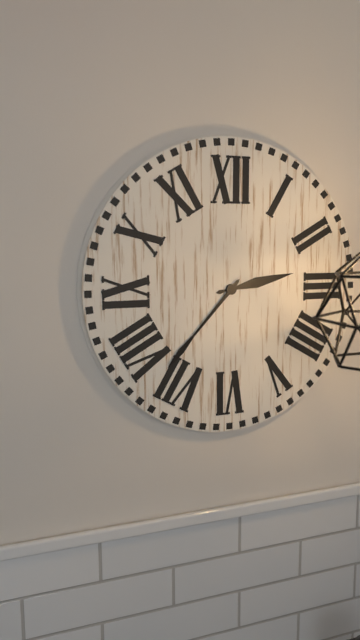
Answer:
2 h 37 min
